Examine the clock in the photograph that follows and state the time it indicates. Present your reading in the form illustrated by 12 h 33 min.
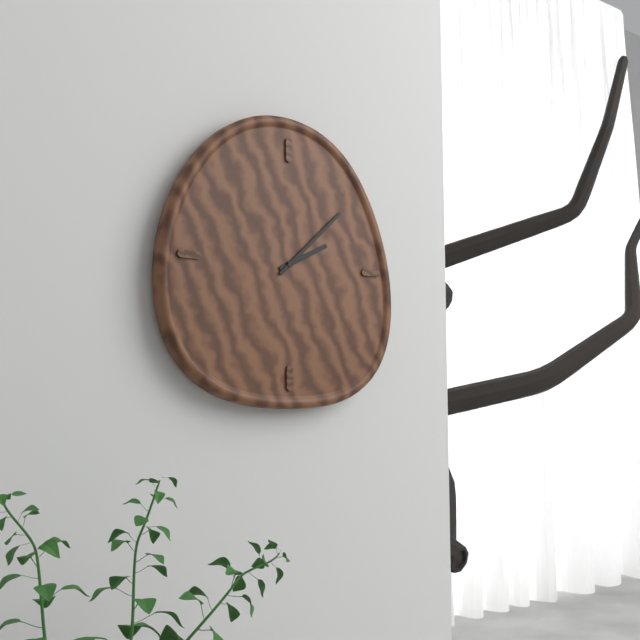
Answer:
2 h 08 min
